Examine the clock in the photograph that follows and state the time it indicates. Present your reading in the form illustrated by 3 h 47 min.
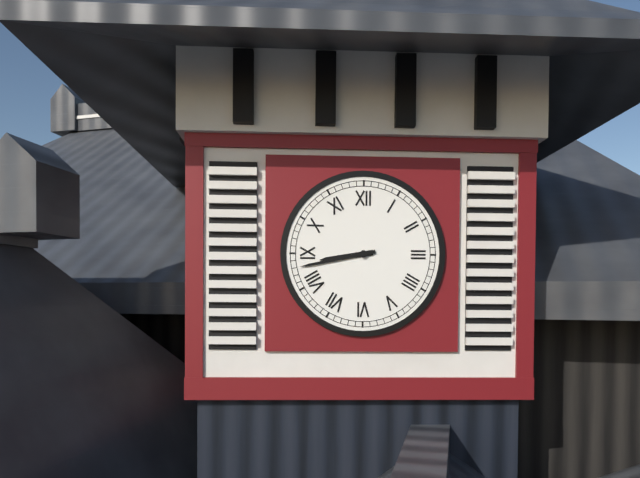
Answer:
8 h 43 min
